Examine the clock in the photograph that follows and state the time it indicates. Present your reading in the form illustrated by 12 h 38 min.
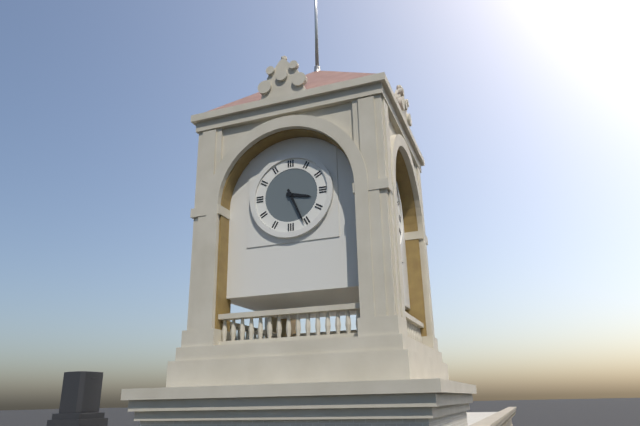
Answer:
3 h 26 min
